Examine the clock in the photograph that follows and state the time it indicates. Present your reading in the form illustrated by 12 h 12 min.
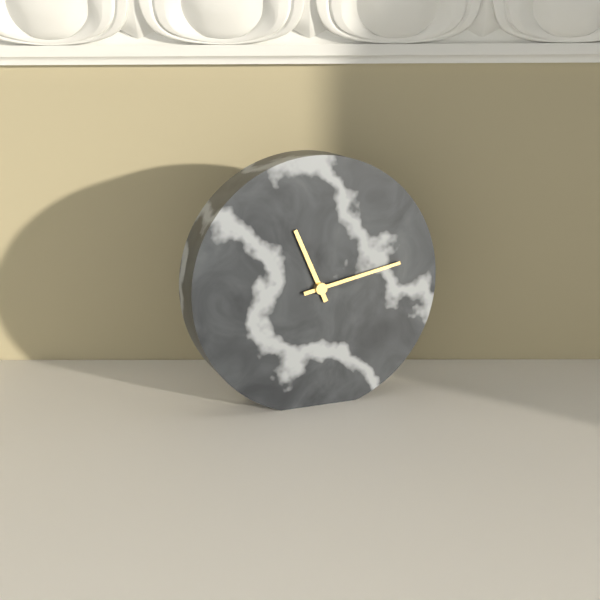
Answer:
11 h 13 min
